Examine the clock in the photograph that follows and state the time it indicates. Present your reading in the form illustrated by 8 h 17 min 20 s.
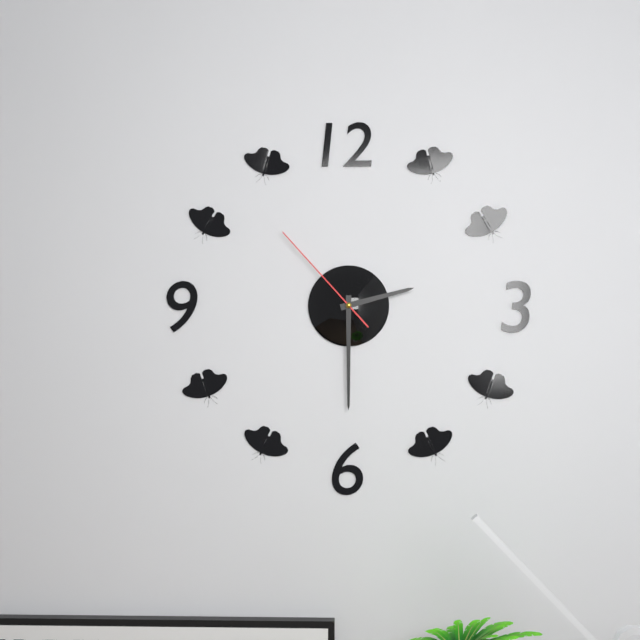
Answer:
2 h 30 min 53 s
